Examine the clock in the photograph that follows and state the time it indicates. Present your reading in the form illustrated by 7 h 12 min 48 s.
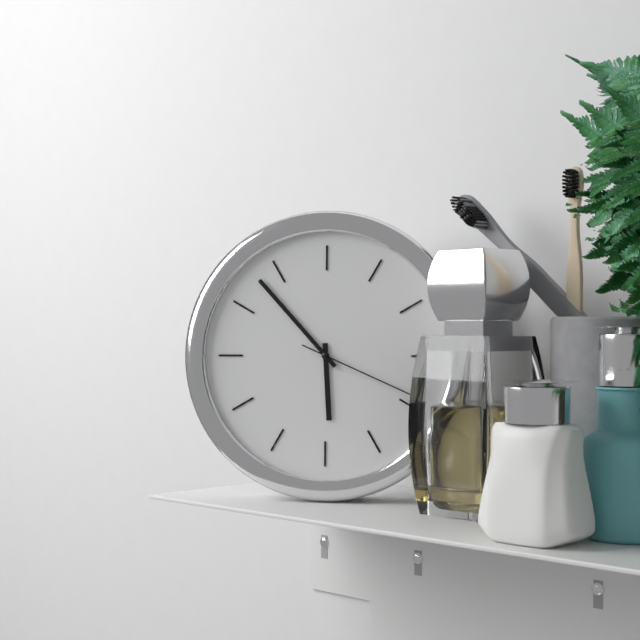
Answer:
5 h 53 min 19 s
